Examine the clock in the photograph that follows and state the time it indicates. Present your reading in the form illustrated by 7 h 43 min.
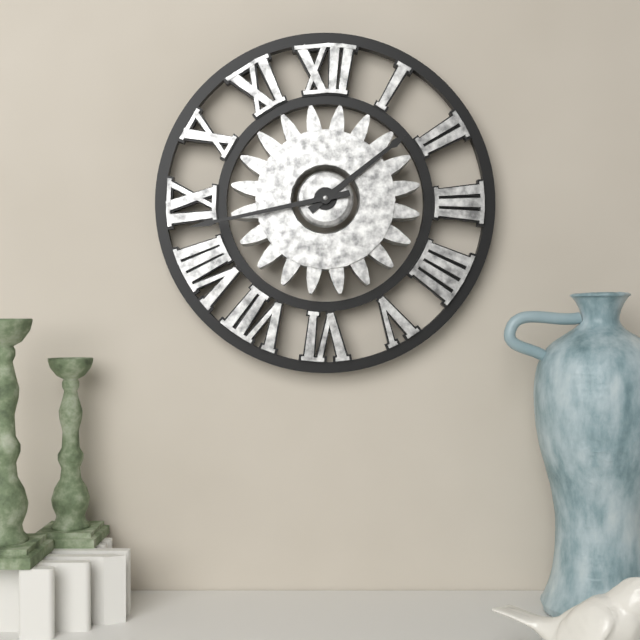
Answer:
1 h 43 min
